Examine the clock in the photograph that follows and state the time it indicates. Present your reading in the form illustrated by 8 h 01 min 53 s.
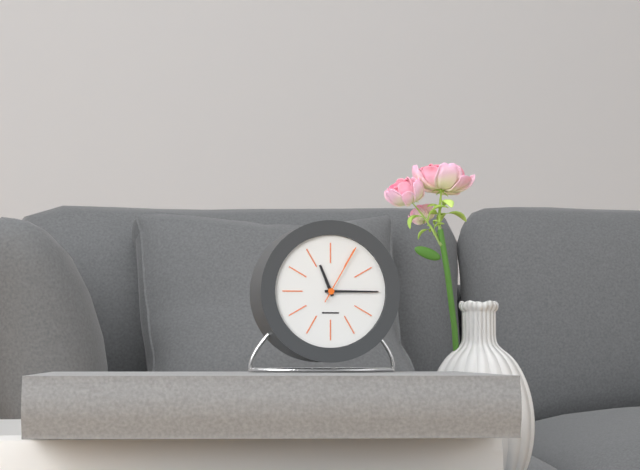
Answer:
11 h 15 min 05 s
